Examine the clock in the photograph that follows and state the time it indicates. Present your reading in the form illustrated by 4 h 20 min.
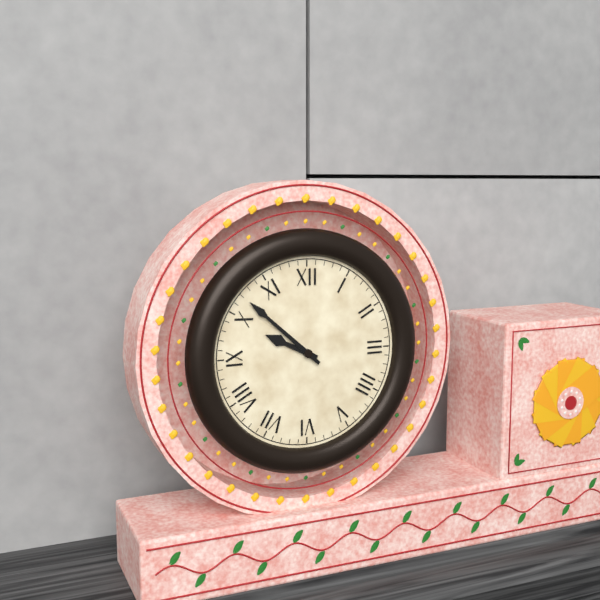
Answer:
9 h 52 min
